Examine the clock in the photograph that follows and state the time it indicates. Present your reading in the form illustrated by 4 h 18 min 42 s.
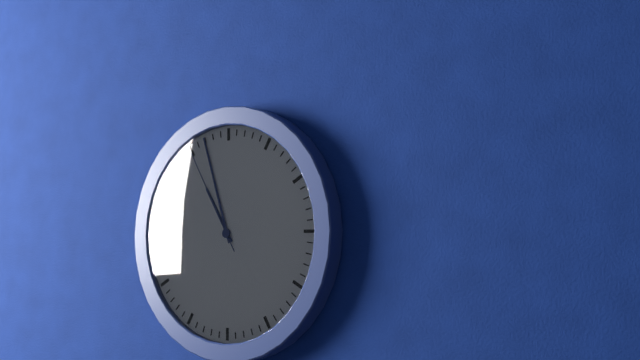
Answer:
10 h 57 min 55 s
